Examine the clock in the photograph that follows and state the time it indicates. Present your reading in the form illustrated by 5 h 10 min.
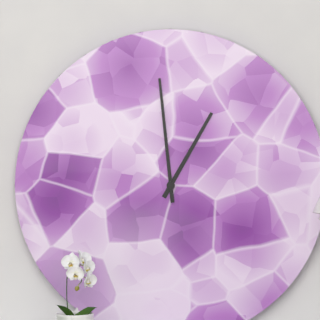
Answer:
12 h 59 min
